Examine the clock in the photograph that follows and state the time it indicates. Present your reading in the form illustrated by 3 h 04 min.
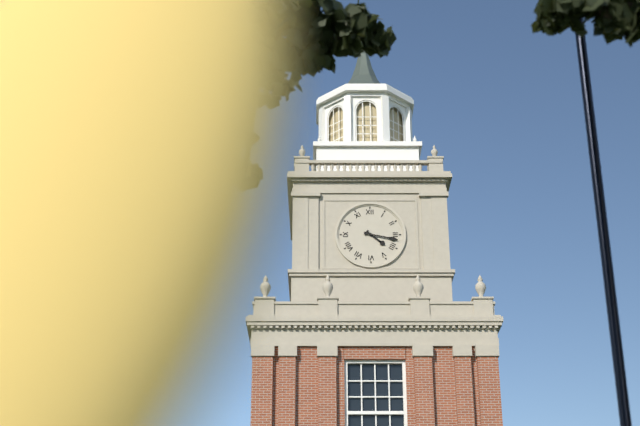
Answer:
4 h 17 min
